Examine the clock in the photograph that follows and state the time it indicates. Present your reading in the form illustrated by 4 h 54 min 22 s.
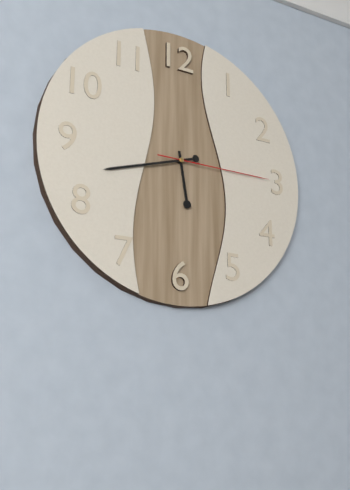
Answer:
5 h 42 min 15 s
